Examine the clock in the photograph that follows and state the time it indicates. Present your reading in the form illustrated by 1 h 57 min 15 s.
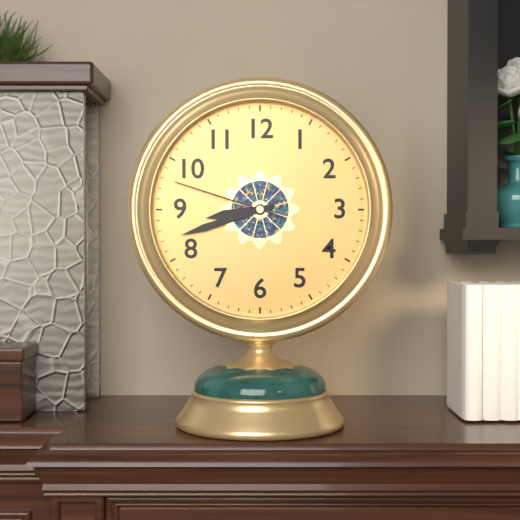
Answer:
8 h 42 min 48 s
